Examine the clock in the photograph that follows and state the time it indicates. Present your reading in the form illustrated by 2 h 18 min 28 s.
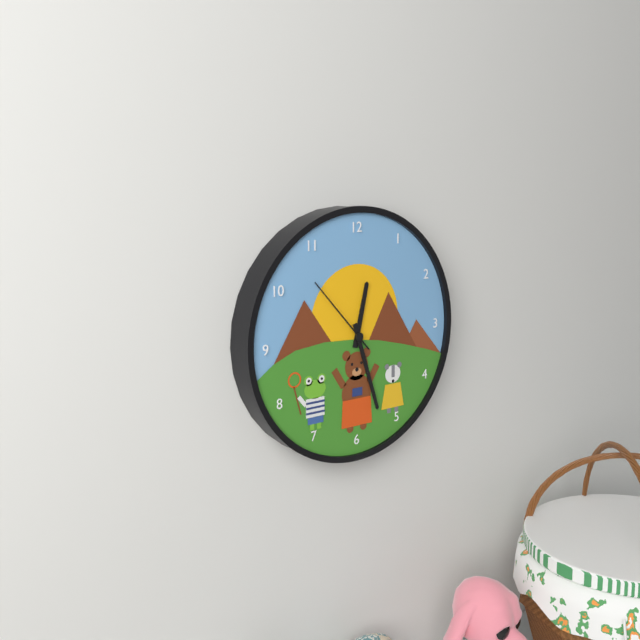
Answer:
12 h 27 min 53 s
